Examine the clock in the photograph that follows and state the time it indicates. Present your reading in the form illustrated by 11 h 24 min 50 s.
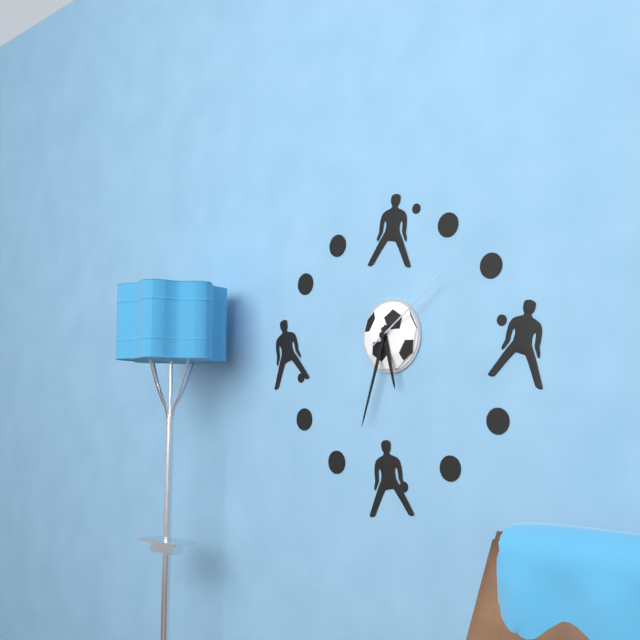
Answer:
5 h 33 min 09 s
